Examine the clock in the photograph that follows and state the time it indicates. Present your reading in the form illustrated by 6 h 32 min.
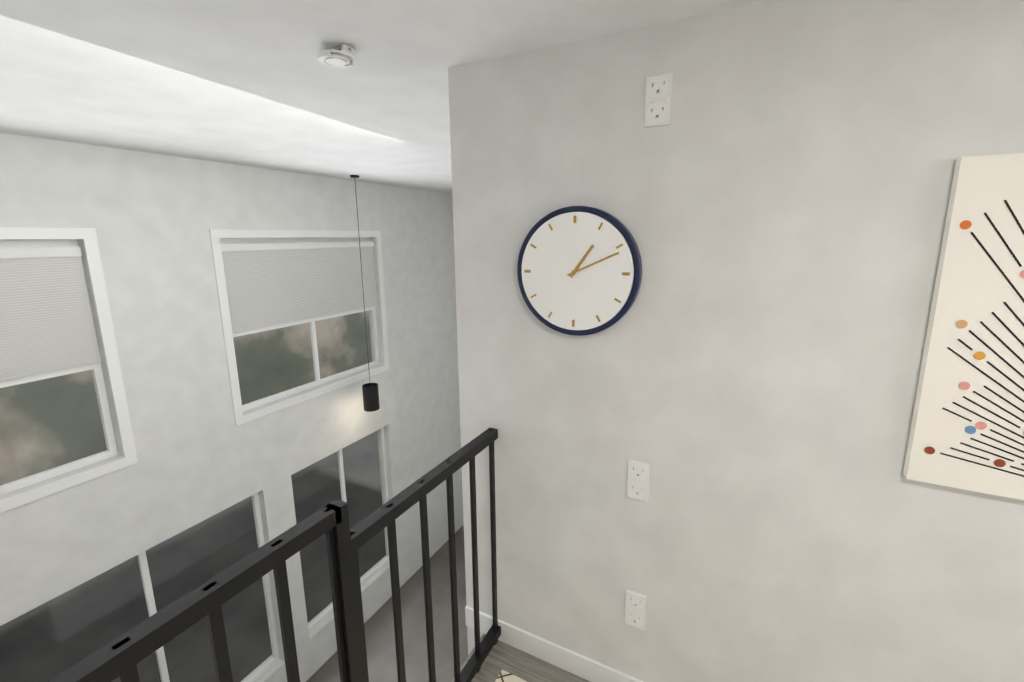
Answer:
1 h 11 min
